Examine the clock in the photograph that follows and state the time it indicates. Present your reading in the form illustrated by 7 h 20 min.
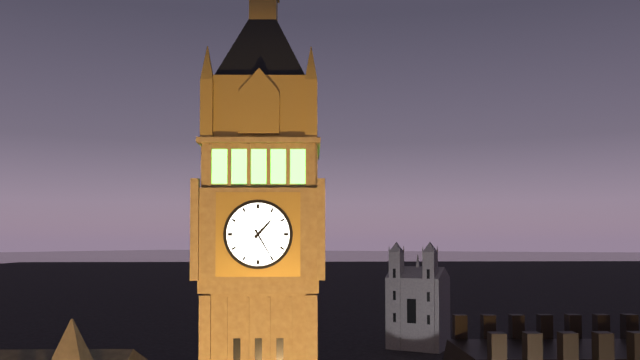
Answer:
1 h 25 min
